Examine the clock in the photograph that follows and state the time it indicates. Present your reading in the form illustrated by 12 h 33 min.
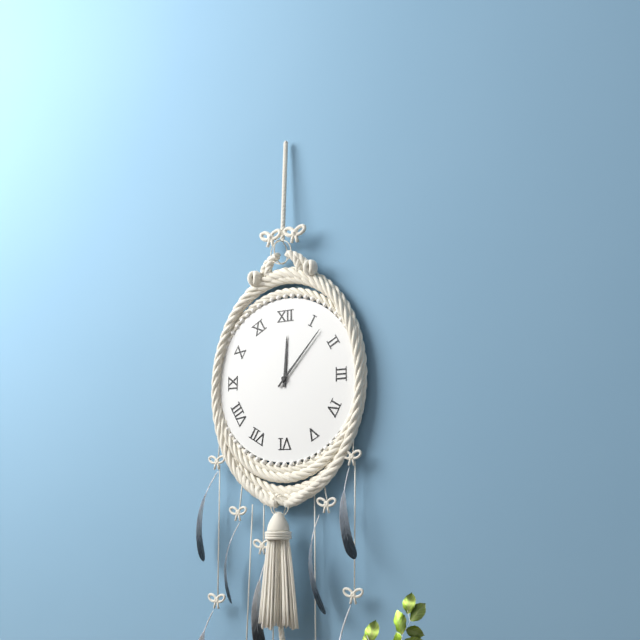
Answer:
12 h 07 min
